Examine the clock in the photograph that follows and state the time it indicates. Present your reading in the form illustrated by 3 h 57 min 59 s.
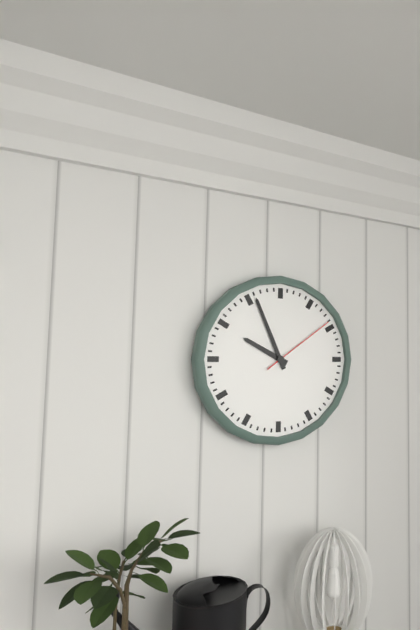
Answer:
9 h 56 min 09 s
